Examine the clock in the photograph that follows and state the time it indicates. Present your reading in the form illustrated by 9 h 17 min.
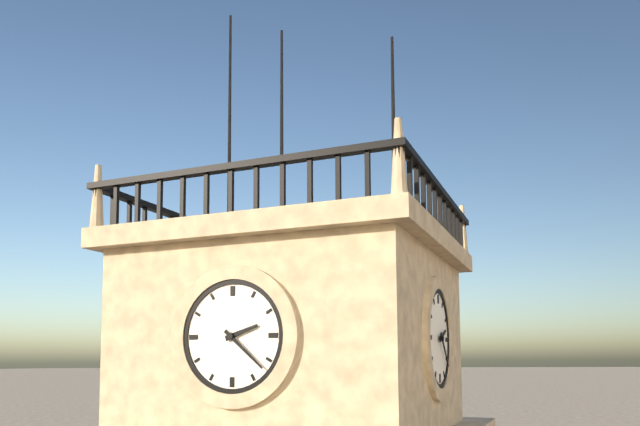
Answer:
2 h 22 min
